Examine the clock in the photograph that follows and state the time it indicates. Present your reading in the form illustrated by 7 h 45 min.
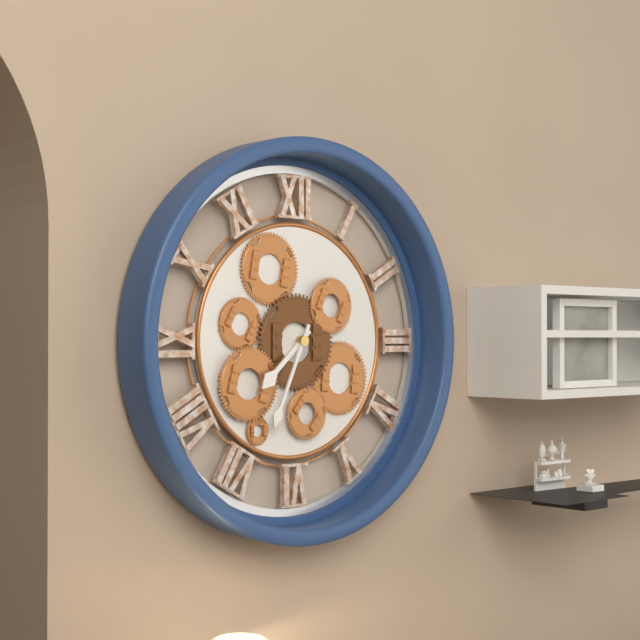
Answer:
7 h 34 min
